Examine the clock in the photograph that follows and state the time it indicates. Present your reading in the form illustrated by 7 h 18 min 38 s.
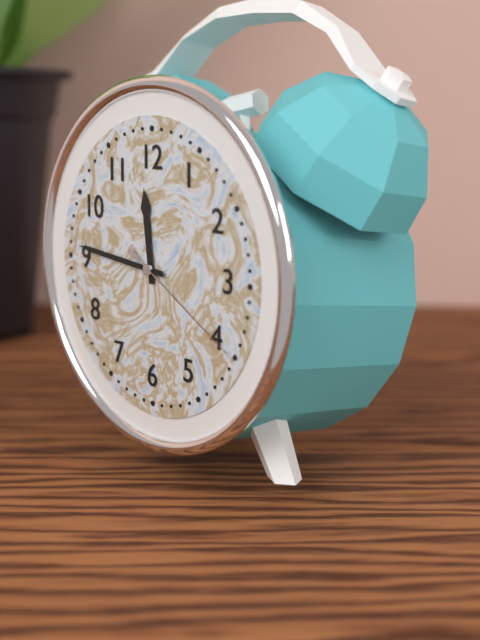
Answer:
11 h 46 min 20 s
